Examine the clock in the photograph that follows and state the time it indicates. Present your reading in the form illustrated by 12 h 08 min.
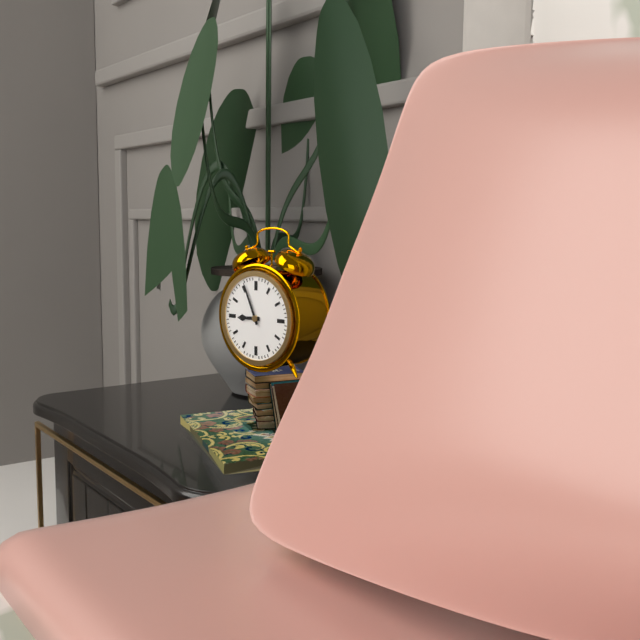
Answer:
8 h 56 min
